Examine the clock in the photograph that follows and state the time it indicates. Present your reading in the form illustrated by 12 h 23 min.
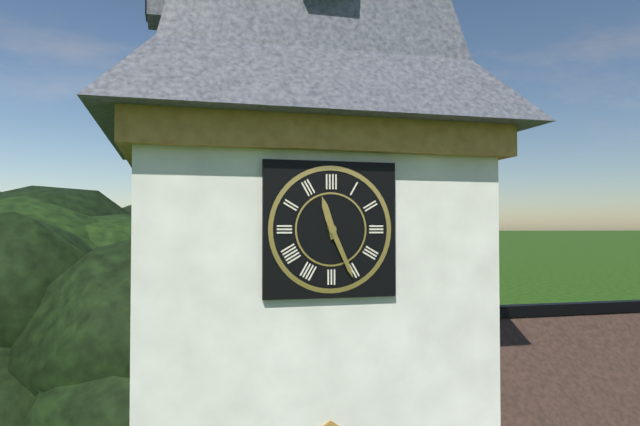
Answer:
11 h 26 min
